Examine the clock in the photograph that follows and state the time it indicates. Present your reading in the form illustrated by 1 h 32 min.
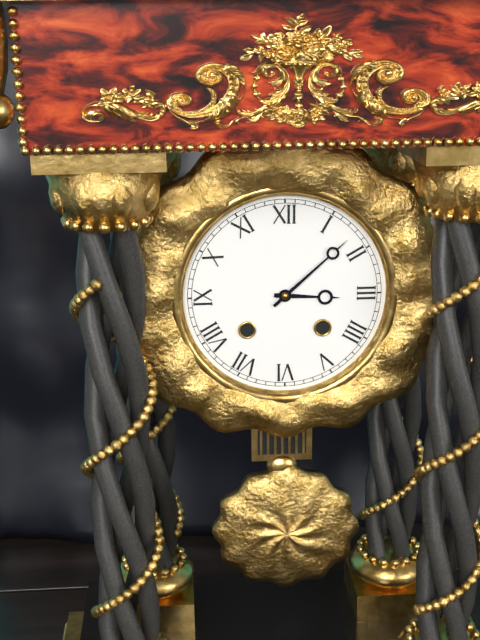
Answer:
3 h 08 min
